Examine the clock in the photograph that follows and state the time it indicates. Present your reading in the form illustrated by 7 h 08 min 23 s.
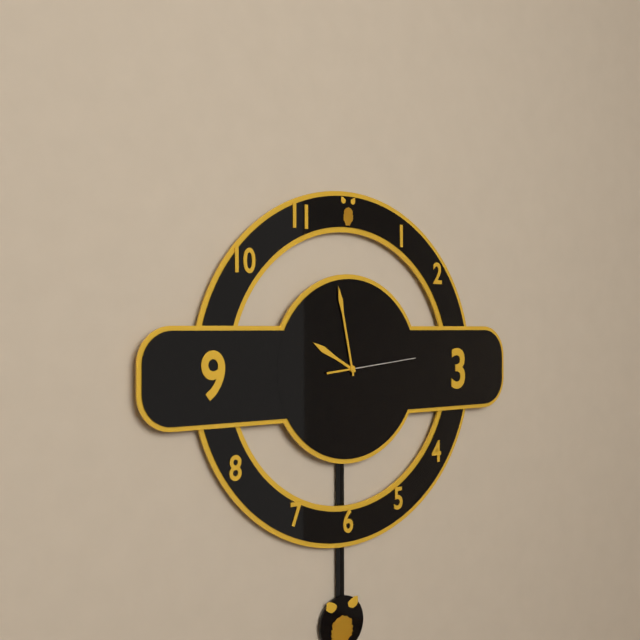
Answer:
9 h 58 min 14 s
